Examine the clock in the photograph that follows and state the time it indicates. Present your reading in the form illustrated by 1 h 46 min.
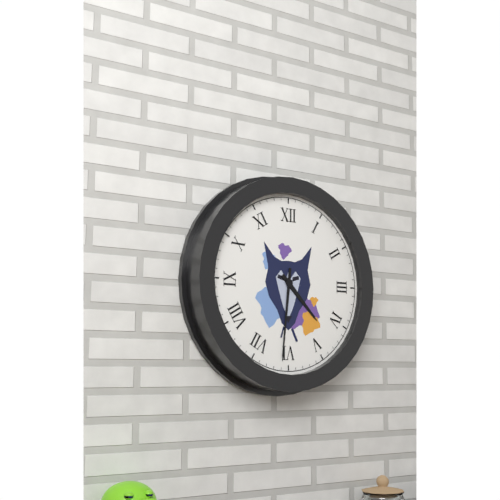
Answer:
4 h 31 min
